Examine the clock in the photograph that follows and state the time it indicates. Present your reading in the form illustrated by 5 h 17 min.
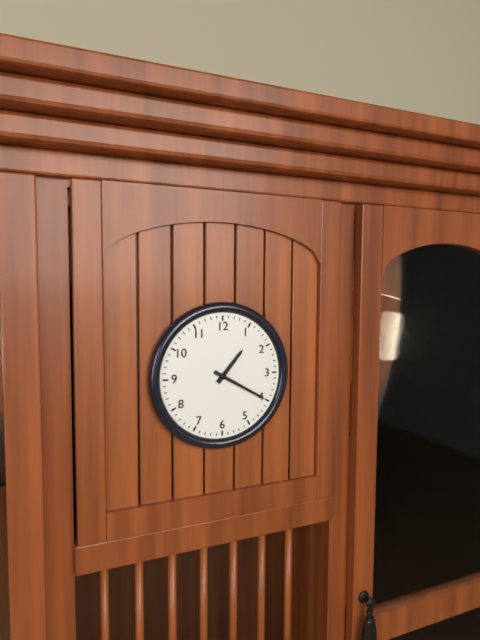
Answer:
1 h 20 min
